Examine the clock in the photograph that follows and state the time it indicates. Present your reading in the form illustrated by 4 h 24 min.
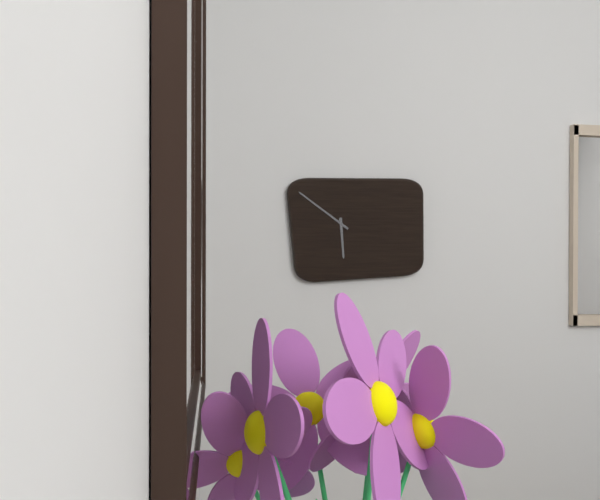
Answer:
5 h 51 min
